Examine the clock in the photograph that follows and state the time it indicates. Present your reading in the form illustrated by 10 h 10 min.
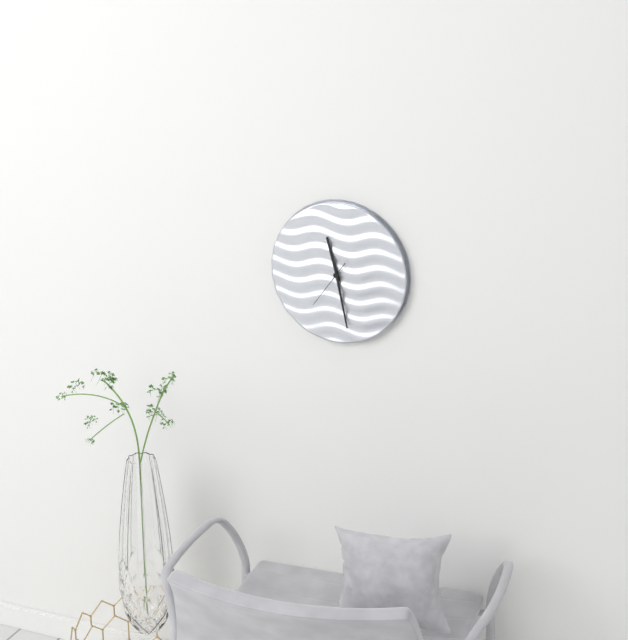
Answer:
11 h 28 min
